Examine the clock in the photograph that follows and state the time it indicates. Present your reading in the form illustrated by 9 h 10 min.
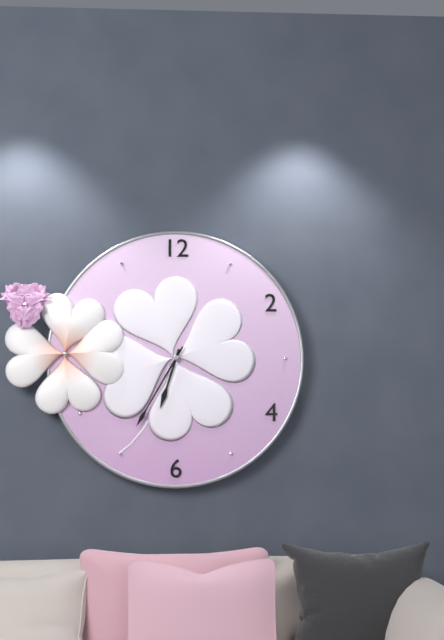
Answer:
6 h 35 min
